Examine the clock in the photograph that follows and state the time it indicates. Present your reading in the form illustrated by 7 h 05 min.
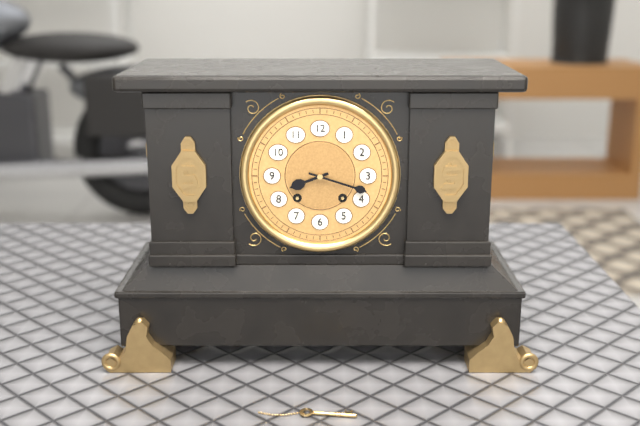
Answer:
8 h 18 min
